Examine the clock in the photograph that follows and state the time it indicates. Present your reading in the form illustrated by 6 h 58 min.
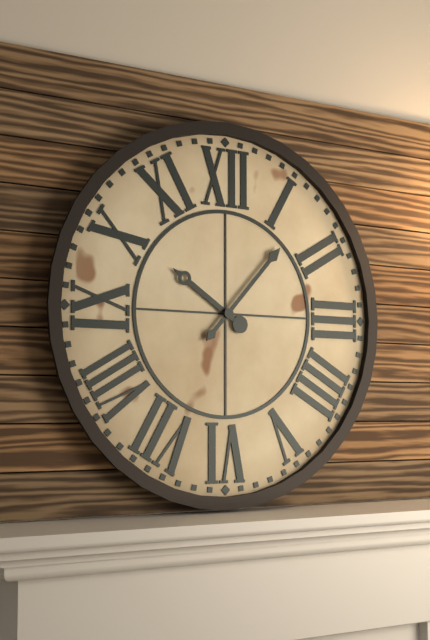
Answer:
10 h 07 min
